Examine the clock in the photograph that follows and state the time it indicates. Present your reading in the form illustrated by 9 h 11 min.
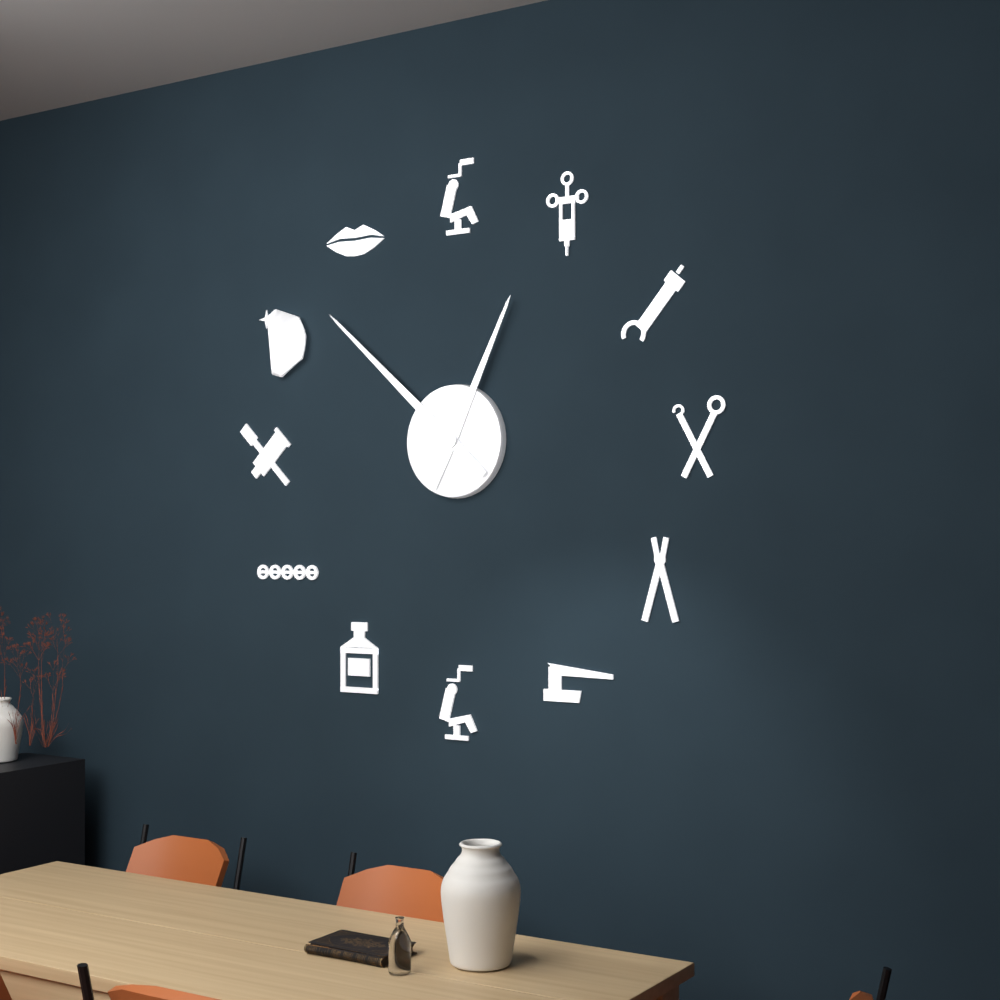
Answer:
12 h 52 min
